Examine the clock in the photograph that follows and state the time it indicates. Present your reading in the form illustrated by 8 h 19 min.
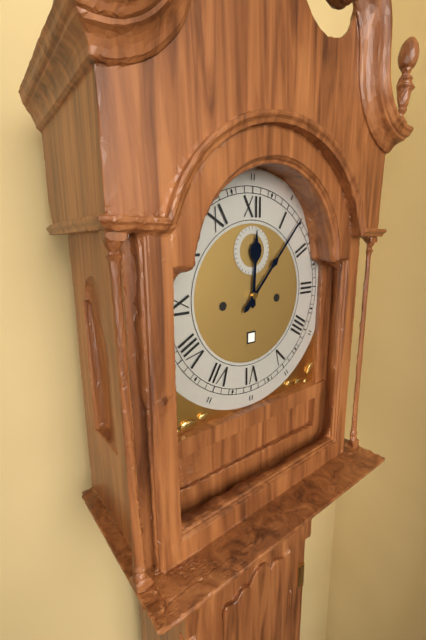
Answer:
12 h 07 min
